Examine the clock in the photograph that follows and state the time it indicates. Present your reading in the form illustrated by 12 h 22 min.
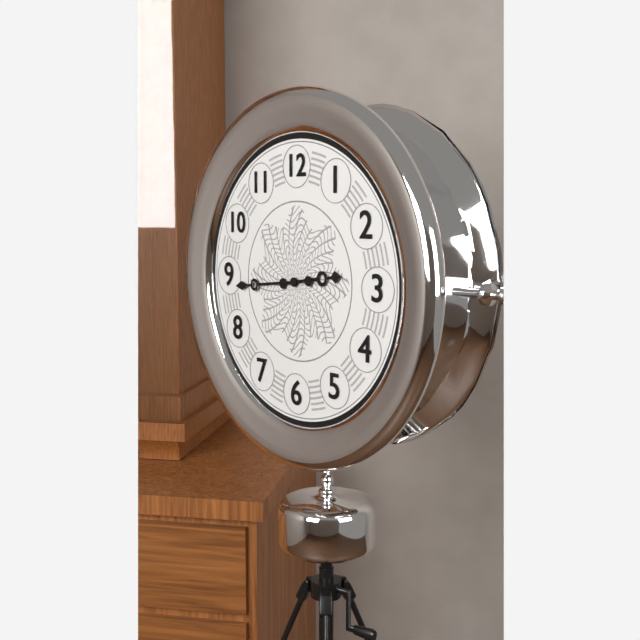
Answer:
2 h 44 min
